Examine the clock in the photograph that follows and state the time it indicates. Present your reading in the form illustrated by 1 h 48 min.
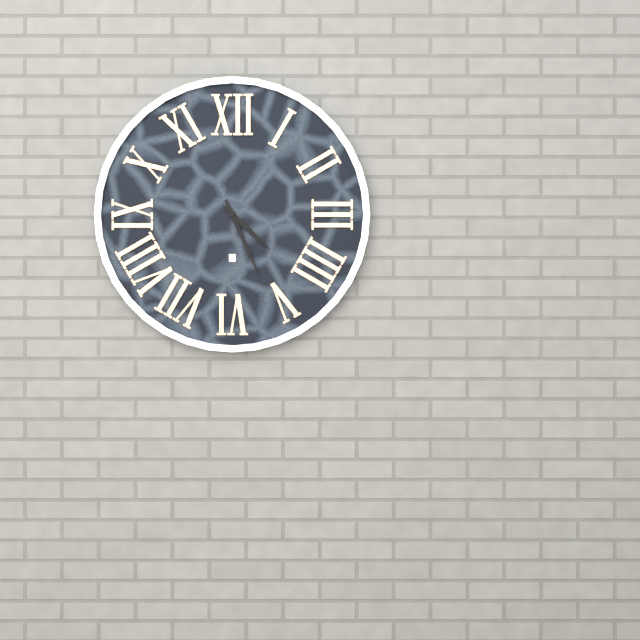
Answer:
4 h 26 min
